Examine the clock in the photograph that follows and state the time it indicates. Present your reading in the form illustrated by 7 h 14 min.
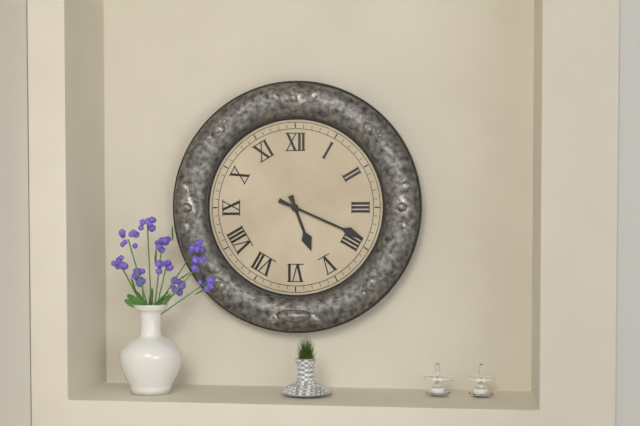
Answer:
5 h 19 min
